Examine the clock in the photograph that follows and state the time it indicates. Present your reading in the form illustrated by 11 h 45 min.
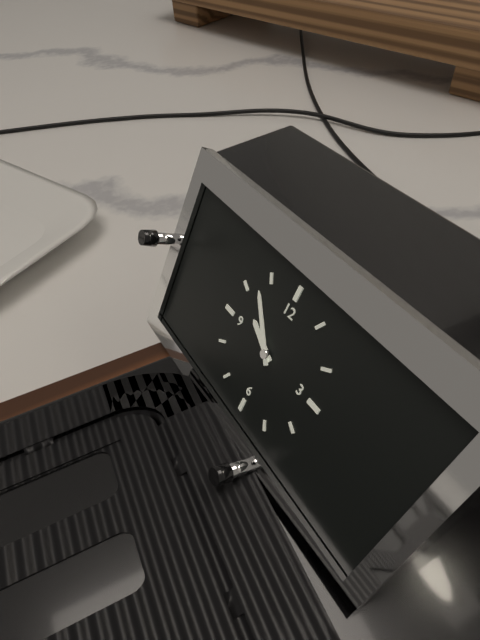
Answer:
9 h 53 min
